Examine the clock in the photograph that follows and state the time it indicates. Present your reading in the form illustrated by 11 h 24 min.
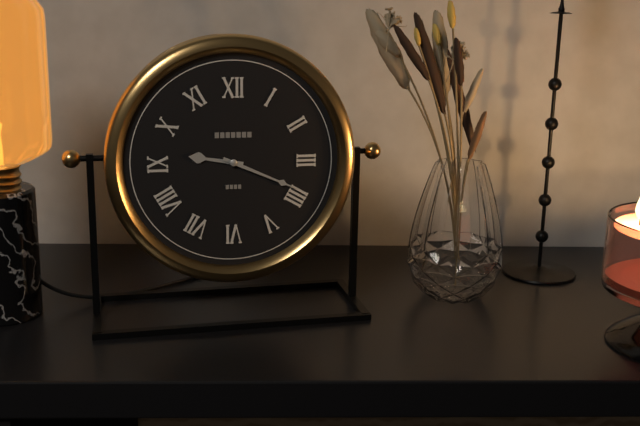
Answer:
9 h 19 min
